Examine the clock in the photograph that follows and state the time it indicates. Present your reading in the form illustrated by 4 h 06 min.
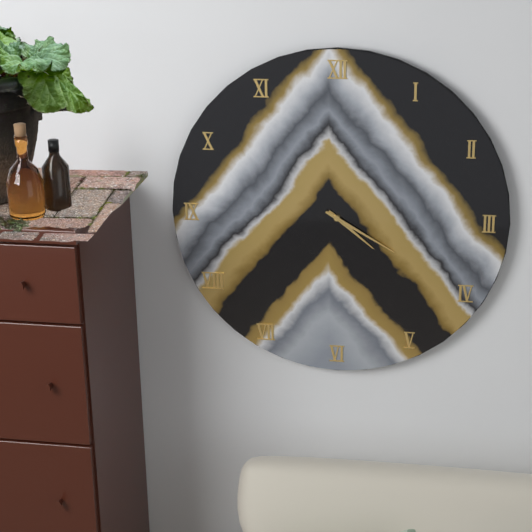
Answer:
4 h 20 min
